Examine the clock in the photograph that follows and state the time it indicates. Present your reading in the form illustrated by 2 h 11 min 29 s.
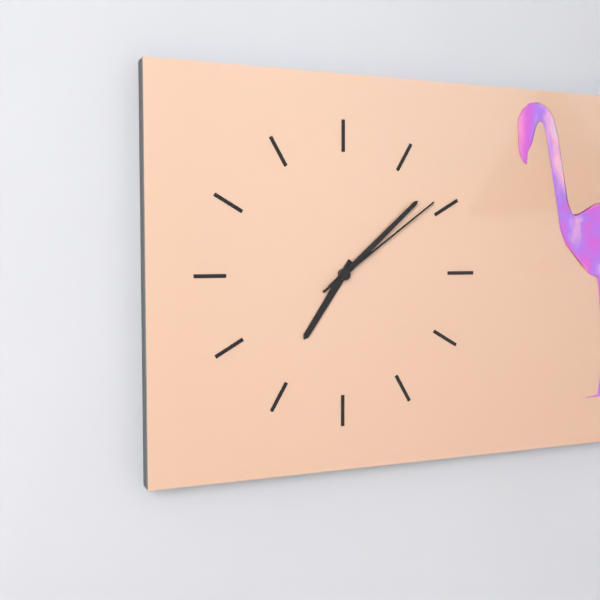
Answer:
7 h 08 min 09 s
